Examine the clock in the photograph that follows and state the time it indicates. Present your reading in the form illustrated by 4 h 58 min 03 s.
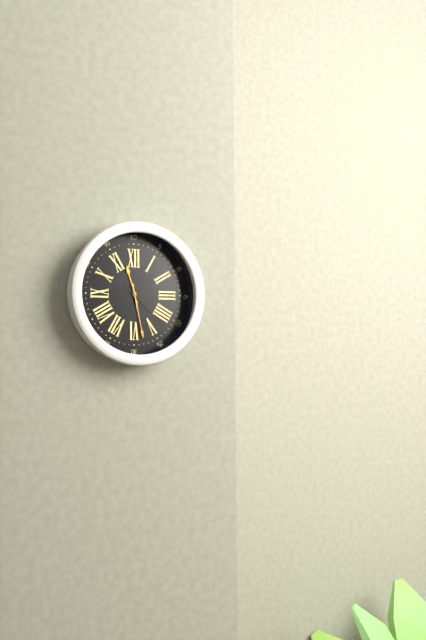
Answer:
11 h 28 min 22 s
